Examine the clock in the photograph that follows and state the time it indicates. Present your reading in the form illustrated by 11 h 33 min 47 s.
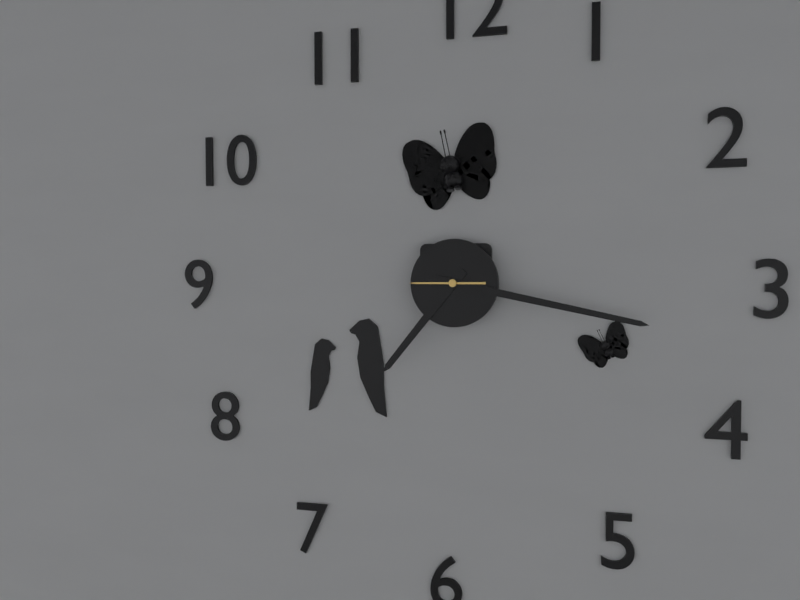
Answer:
7 h 17 min 45 s
